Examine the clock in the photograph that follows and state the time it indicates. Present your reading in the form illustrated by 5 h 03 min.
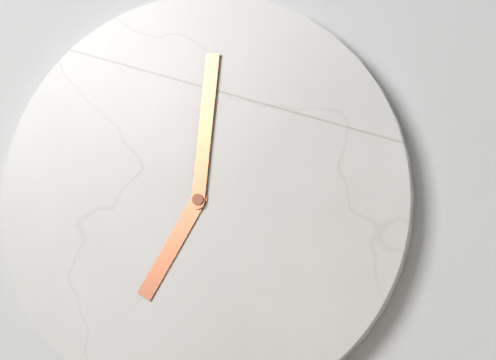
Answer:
7 h 01 min
